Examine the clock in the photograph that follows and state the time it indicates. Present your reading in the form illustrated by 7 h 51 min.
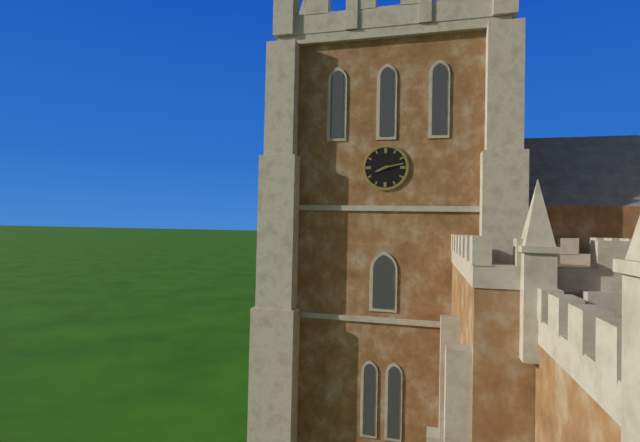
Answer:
8 h 13 min
